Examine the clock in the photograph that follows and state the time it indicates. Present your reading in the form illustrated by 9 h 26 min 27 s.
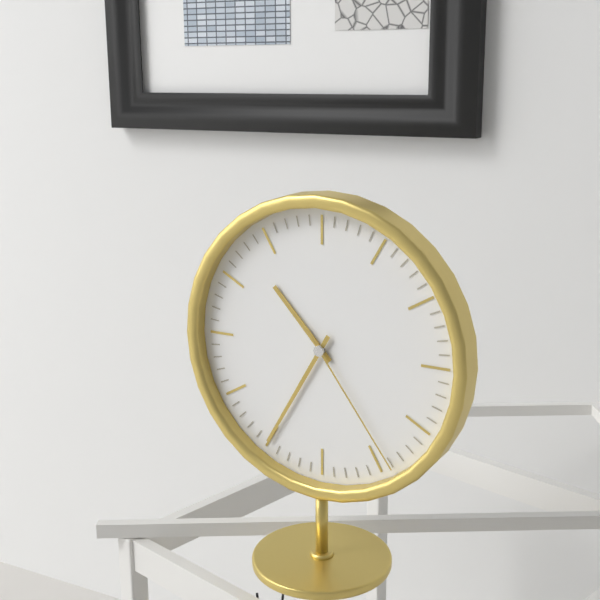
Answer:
10 h 35 min 24 s
